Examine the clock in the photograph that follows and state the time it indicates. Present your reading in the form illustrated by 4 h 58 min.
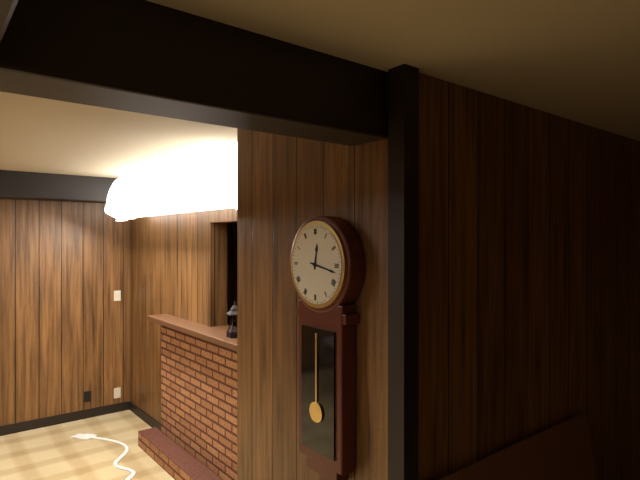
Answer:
12 h 17 min
